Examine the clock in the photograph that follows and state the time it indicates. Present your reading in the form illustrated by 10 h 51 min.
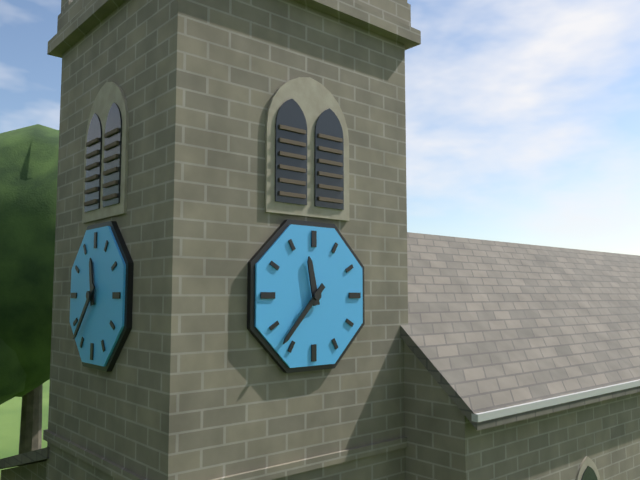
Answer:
11 h 37 min
